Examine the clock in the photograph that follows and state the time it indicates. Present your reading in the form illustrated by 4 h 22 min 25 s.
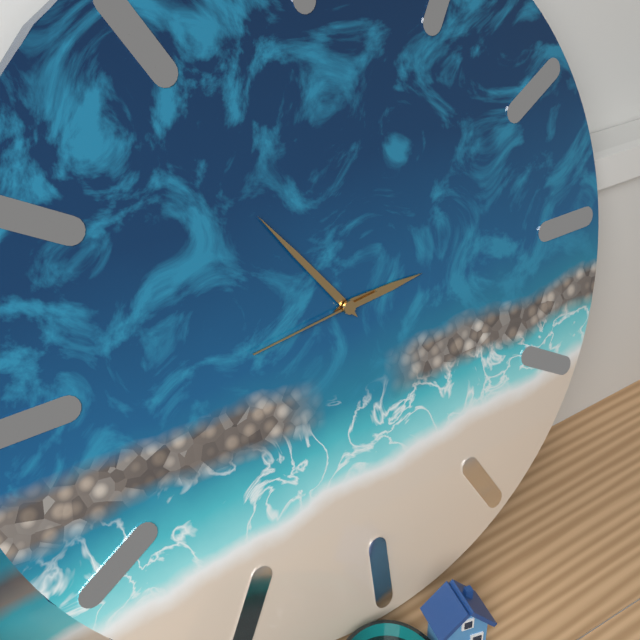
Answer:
2 h 54 min 44 s
